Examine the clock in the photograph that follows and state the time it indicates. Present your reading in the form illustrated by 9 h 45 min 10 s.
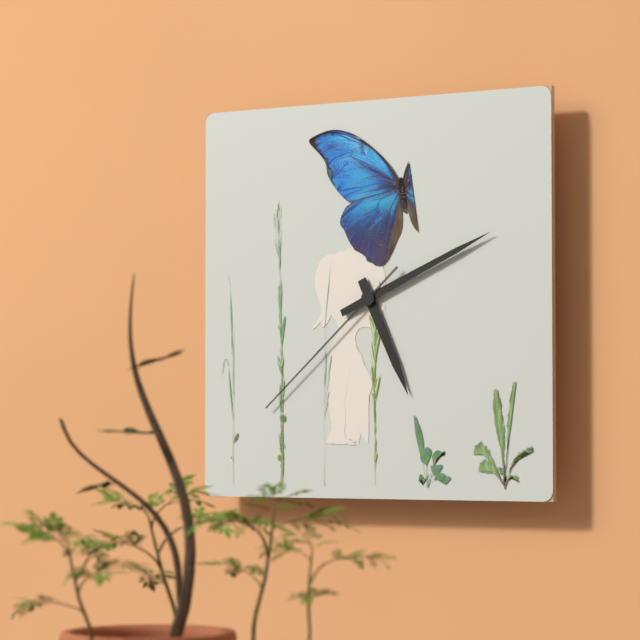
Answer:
5 h 11 min 38 s
